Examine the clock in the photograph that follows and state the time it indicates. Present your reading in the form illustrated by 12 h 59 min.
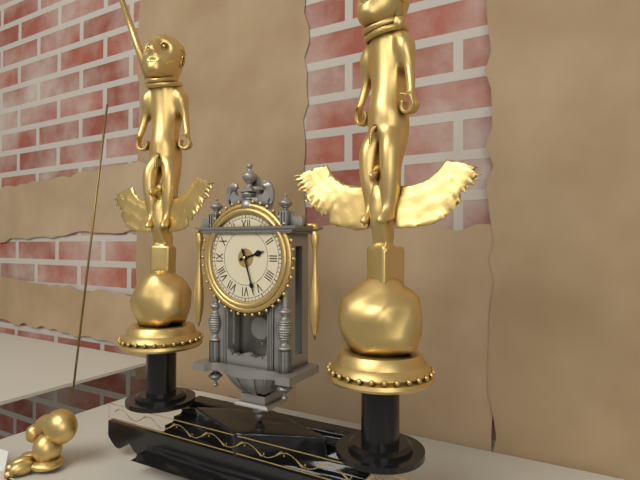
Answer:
2 h 27 min
